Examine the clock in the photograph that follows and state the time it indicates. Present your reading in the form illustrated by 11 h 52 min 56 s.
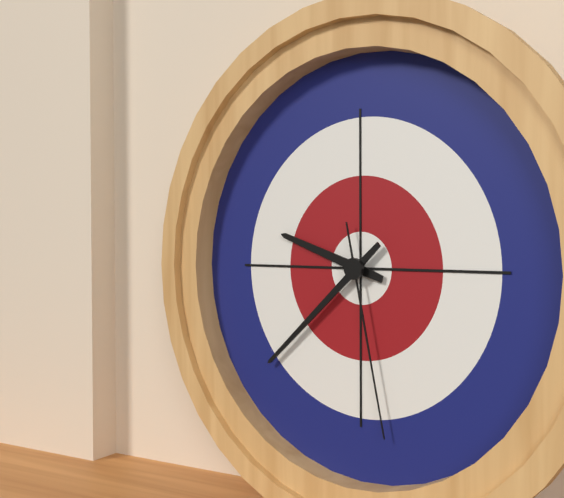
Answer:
9 h 38 min 28 s
